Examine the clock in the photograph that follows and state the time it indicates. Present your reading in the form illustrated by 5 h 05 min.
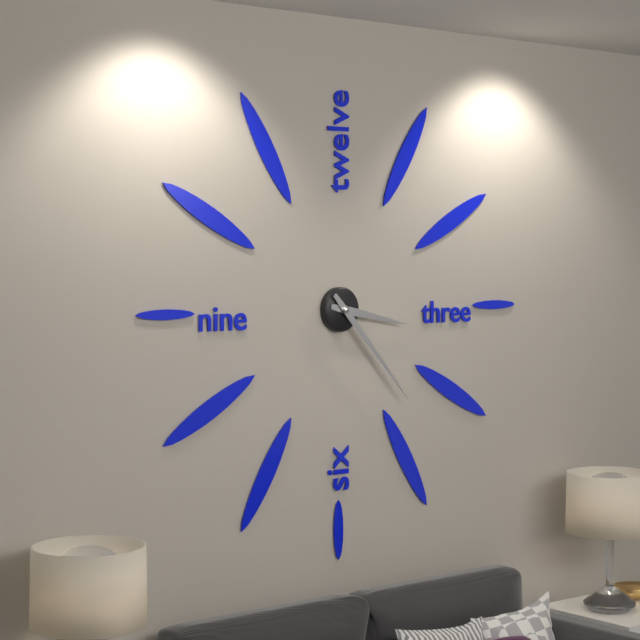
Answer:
3 h 23 min
